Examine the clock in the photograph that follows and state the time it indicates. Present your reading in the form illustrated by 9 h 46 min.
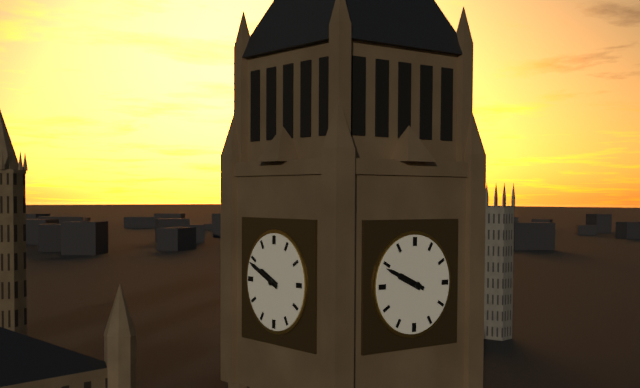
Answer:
9 h 49 min
